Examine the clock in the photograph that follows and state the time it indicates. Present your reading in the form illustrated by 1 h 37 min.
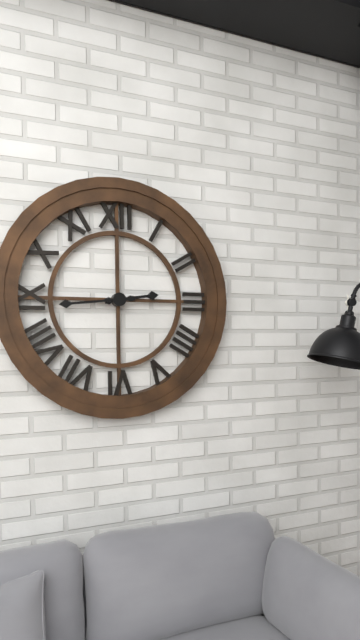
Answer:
2 h 44 min
